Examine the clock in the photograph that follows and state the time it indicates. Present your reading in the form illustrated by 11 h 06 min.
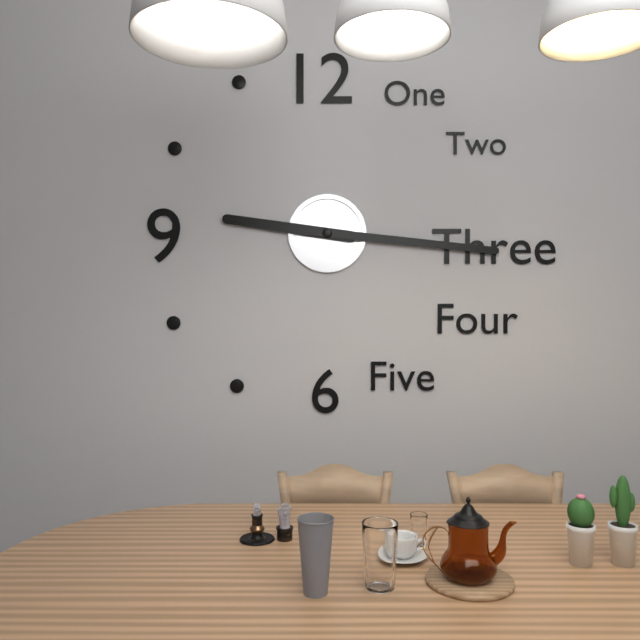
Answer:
9 h 16 min
